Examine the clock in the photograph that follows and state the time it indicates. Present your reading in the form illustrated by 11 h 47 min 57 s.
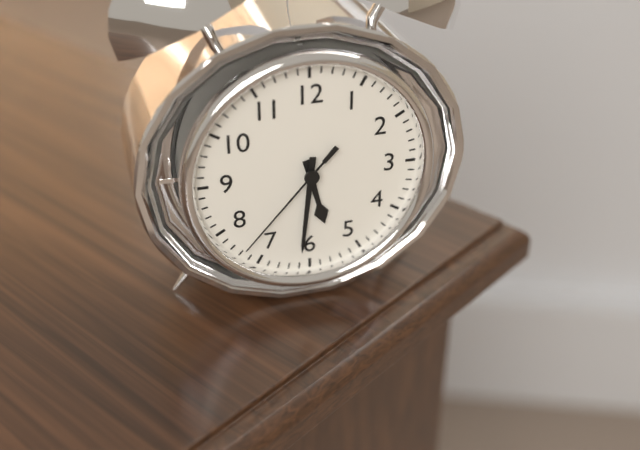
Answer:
5 h 31 min 37 s
